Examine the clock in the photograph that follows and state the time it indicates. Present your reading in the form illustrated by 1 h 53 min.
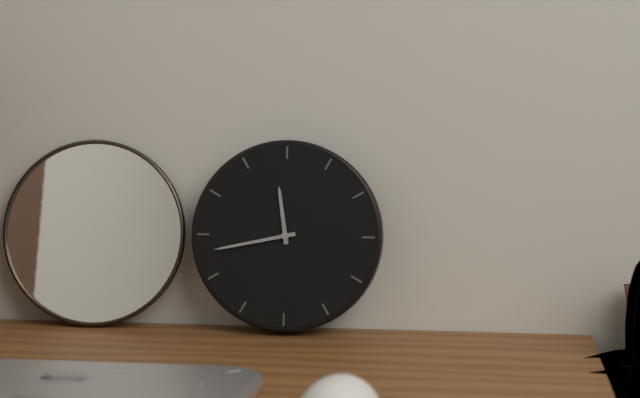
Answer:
11 h 43 min
